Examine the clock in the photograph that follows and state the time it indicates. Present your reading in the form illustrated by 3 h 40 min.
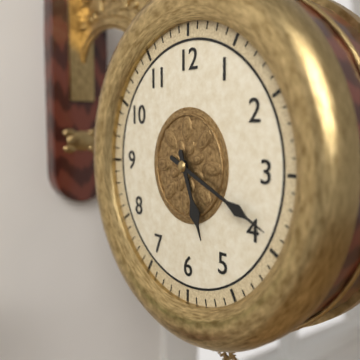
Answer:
5 h 19 min
